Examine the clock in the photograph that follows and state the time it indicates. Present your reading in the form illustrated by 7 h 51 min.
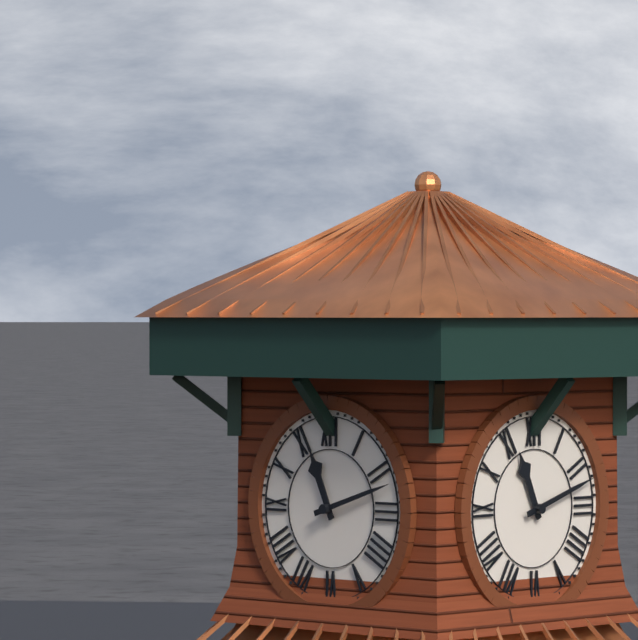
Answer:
11 h 12 min
